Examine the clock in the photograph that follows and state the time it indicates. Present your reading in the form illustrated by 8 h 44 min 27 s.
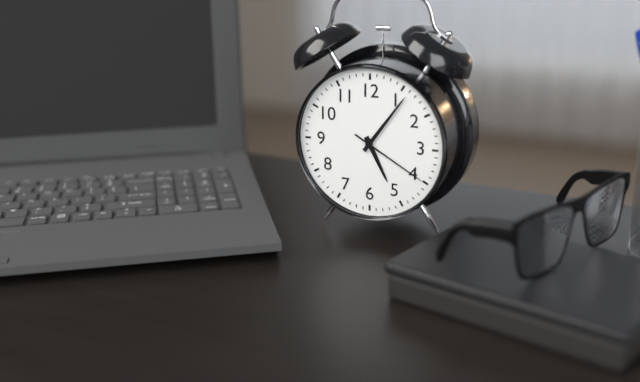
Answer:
5 h 06 min 20 s
